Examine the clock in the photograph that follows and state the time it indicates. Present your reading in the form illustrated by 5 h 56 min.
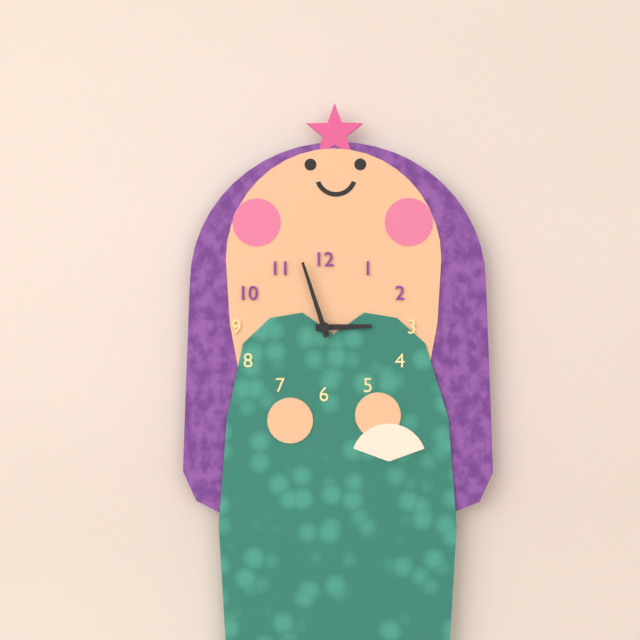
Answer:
2 h 57 min
